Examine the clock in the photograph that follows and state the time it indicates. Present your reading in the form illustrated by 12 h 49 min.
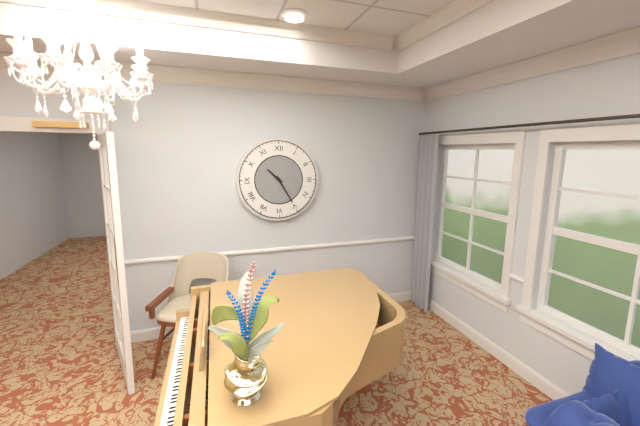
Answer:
10 h 25 min
